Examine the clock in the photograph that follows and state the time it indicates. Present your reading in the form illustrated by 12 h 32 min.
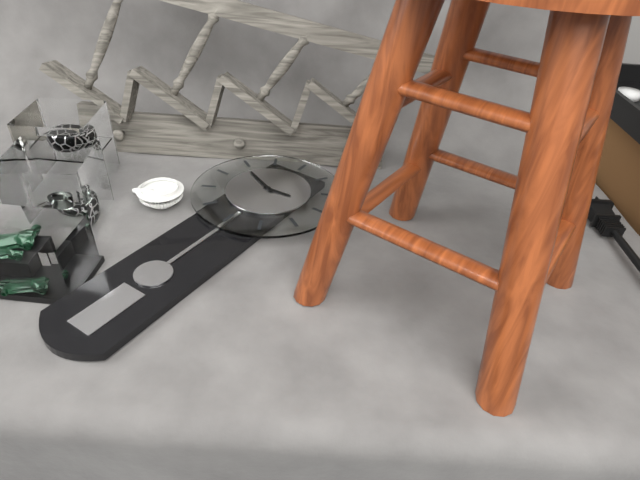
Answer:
2 h 49 min
